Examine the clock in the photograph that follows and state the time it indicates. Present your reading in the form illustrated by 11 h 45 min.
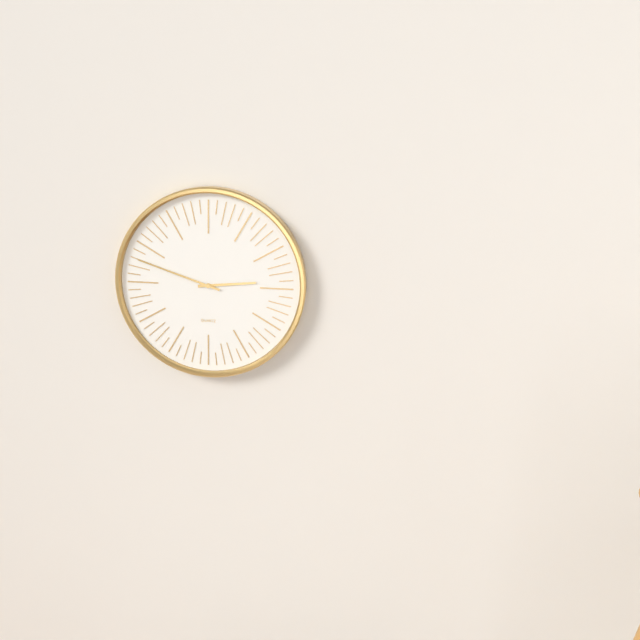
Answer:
2 h 48 min
